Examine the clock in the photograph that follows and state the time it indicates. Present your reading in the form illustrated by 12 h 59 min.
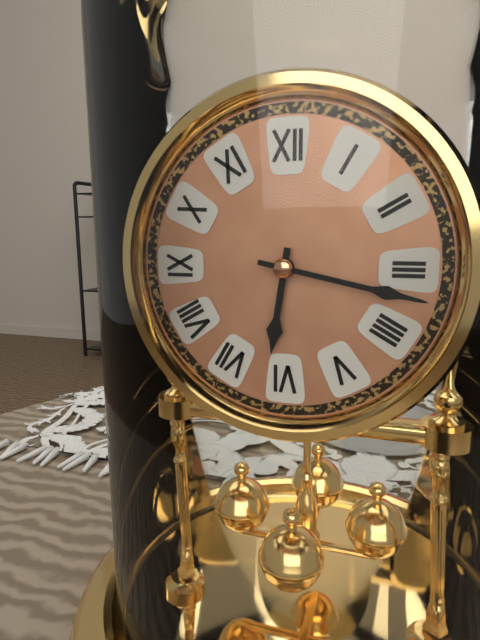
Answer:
6 h 17 min
